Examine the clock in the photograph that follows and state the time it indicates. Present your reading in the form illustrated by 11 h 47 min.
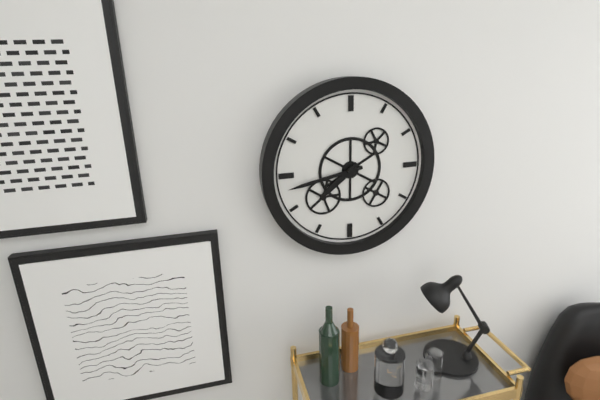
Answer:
7 h 43 min
